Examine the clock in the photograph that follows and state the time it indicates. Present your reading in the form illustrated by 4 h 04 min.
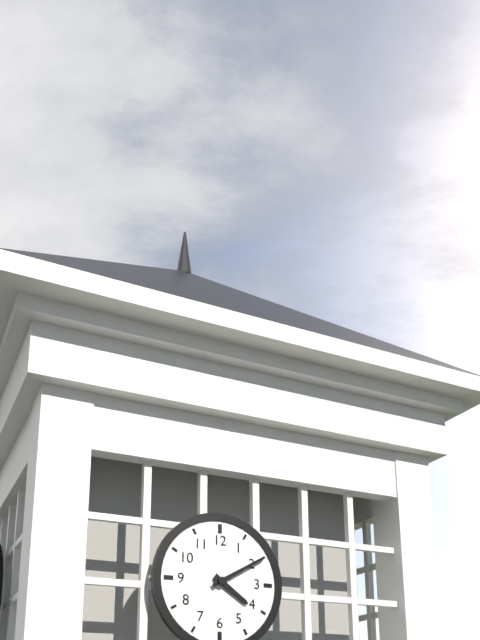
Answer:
4 h 10 min
